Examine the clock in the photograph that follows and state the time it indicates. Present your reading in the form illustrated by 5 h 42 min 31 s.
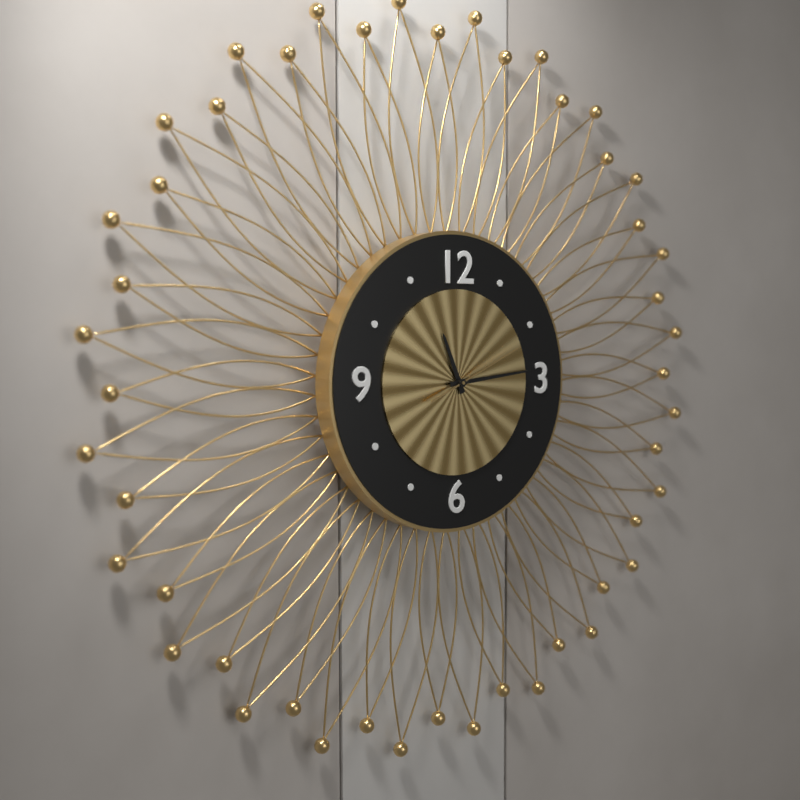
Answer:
11 h 14 min 11 s
